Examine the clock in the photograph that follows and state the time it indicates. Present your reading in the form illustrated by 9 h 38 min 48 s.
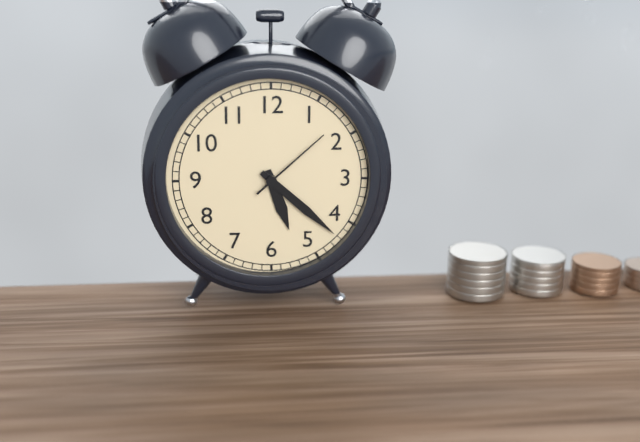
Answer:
5 h 22 min 08 s
